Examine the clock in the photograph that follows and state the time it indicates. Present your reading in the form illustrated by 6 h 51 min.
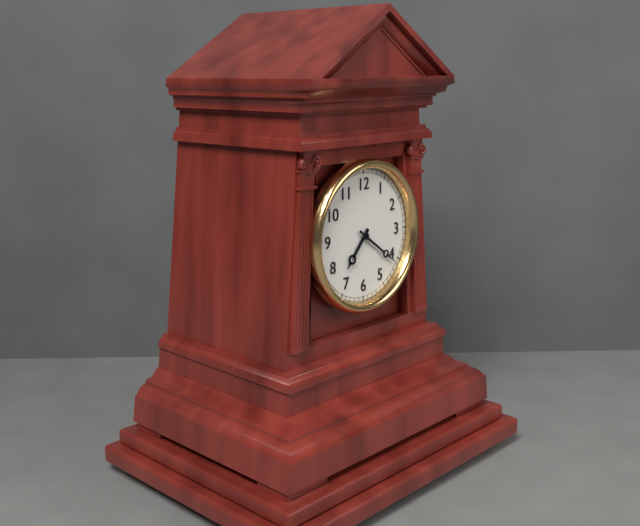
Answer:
7 h 21 min
